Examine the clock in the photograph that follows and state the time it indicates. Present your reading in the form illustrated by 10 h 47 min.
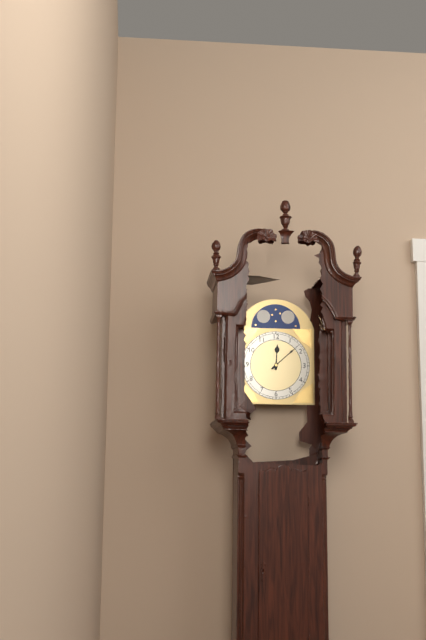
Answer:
12 h 08 min
